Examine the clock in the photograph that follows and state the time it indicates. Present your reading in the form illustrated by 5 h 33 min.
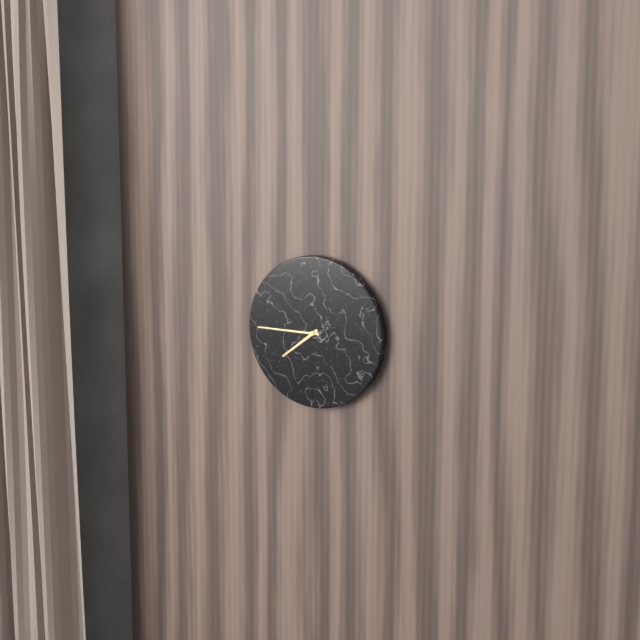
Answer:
7 h 45 min
